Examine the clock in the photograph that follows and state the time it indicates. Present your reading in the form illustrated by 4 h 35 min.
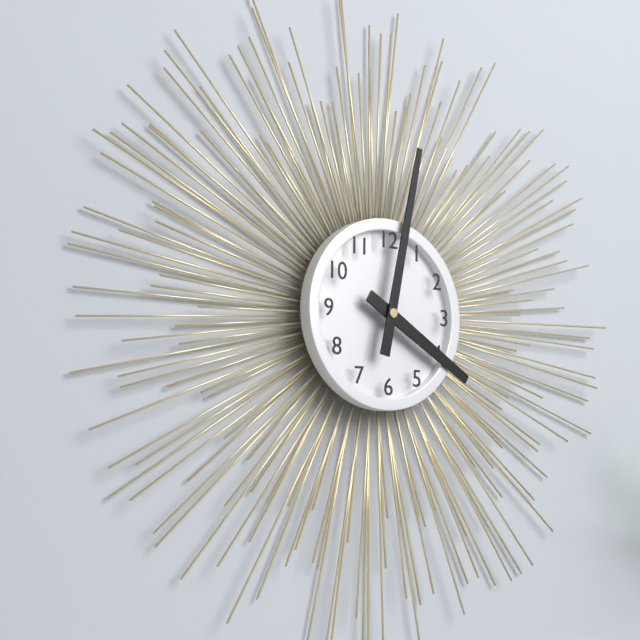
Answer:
4 h 02 min
